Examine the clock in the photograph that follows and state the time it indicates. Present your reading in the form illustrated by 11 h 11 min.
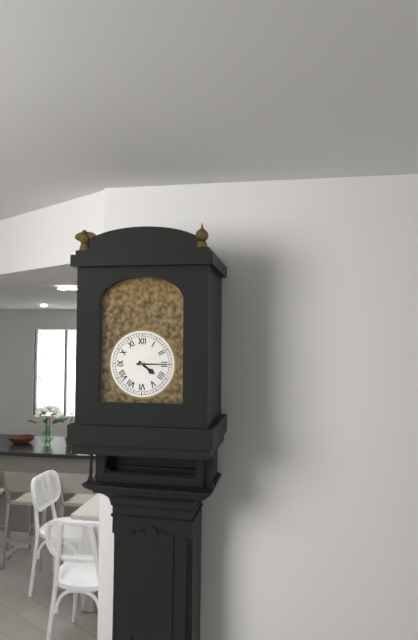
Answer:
4 h 15 min
